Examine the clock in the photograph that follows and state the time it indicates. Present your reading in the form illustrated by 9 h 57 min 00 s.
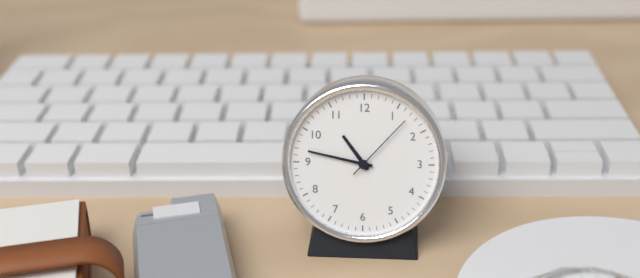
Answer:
10 h 47 min 07 s
